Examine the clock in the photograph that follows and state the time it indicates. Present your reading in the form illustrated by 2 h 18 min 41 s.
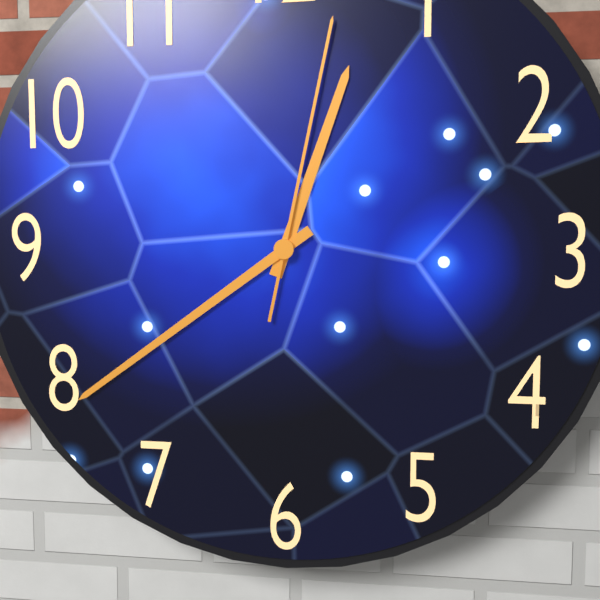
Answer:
12 h 39 min 02 s
